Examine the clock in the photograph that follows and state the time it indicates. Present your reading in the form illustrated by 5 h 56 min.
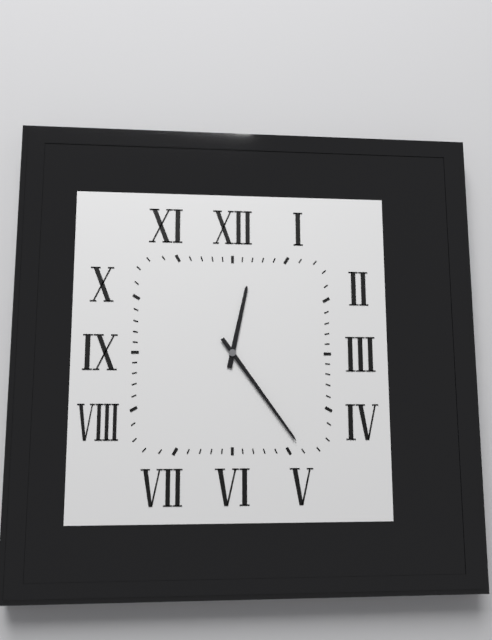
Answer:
12 h 24 min
